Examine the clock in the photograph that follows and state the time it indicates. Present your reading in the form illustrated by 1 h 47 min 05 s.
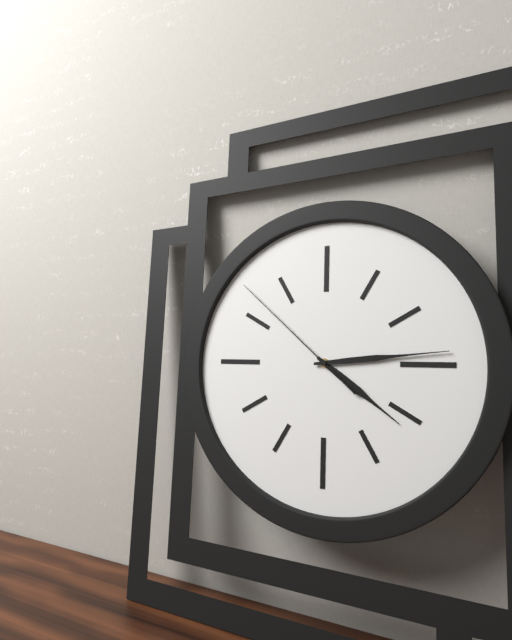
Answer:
4 h 14 min 52 s
